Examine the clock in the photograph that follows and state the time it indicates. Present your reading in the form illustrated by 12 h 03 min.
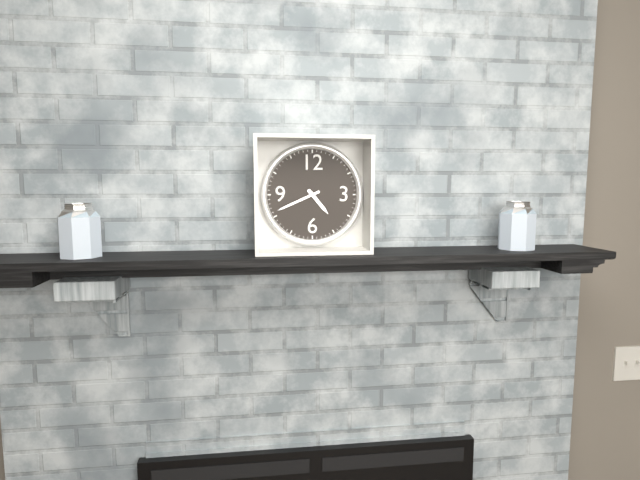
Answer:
4 h 41 min
